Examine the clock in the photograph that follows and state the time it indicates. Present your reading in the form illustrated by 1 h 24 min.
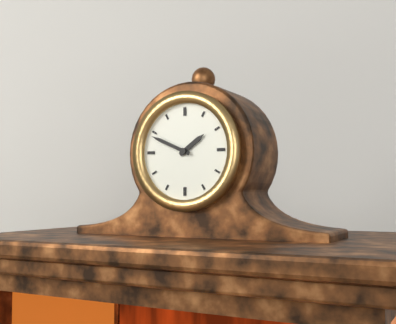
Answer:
1 h 49 min
